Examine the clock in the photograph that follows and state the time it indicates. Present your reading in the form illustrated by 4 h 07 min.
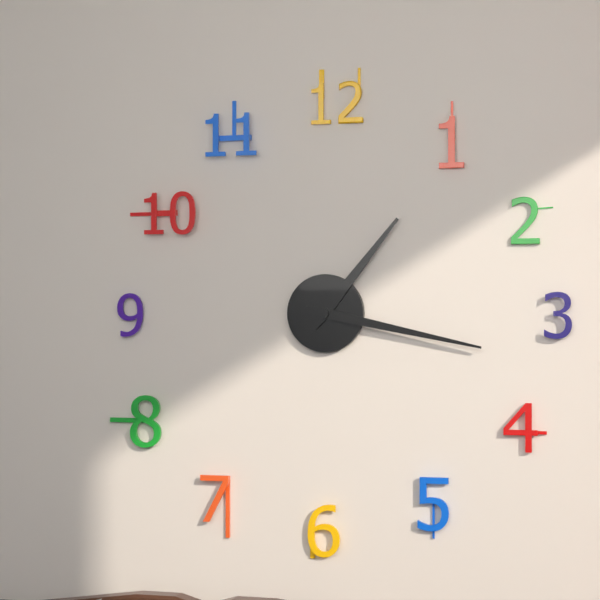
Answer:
1 h 17 min
